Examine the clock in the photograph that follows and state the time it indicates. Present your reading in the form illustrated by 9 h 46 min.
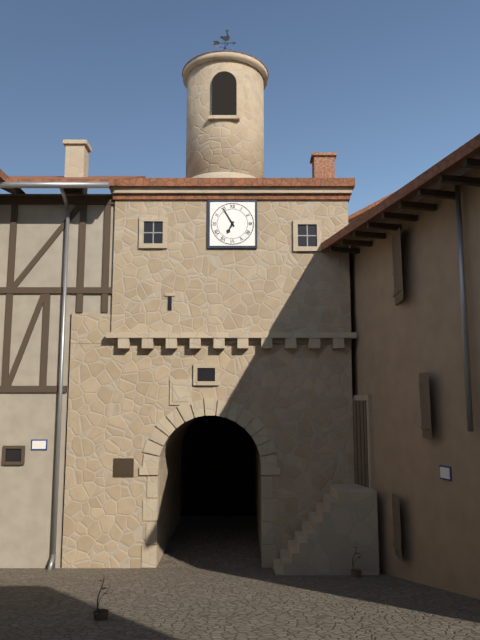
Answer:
6 h 55 min
